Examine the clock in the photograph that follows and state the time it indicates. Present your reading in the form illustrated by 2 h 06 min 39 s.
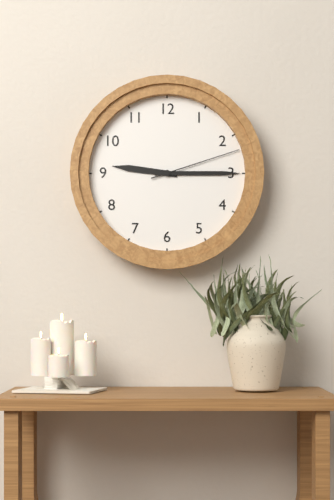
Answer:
9 h 15 min 12 s
